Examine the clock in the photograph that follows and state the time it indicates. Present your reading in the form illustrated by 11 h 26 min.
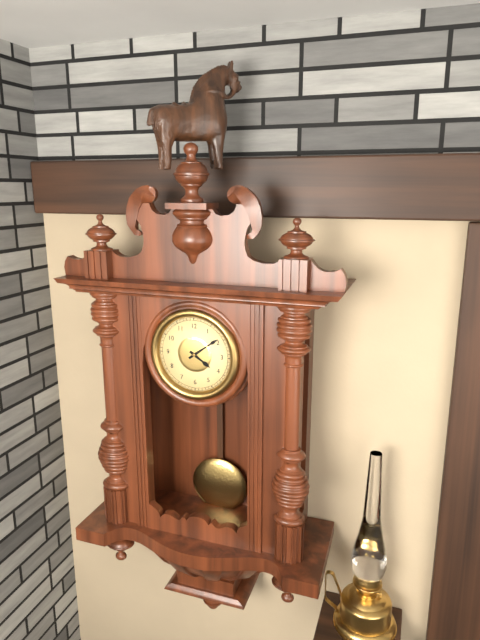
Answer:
4 h 09 min
